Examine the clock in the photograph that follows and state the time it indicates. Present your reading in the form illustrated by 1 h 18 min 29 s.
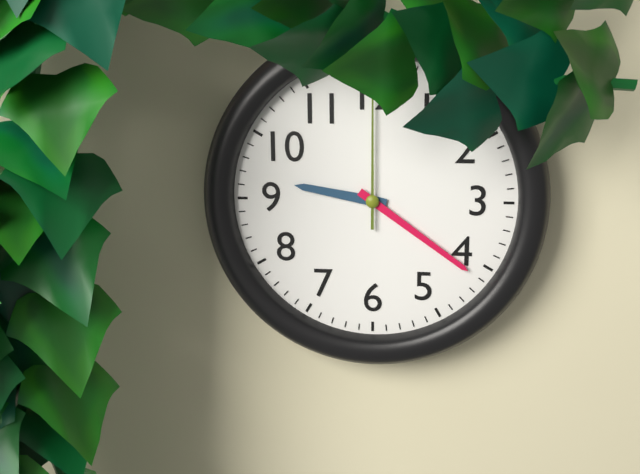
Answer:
9 h 21 min 00 s
